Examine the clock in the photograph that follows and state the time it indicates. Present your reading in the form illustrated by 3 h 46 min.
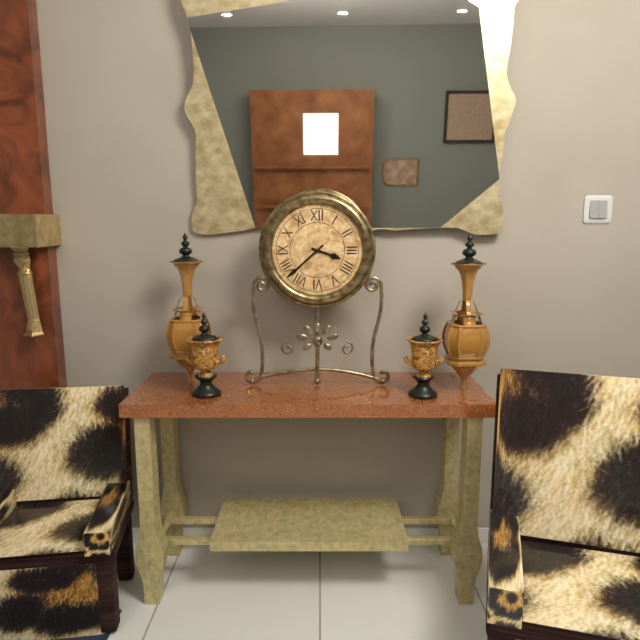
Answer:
3 h 38 min
